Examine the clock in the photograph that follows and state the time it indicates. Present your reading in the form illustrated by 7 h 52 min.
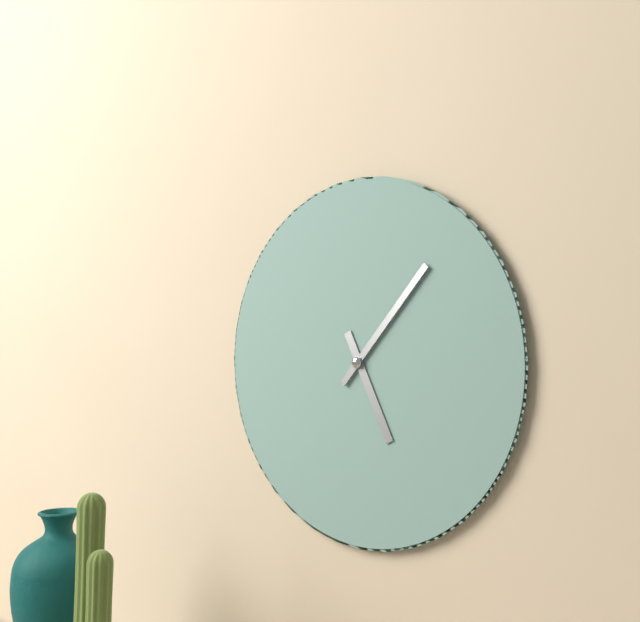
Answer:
5 h 07 min
